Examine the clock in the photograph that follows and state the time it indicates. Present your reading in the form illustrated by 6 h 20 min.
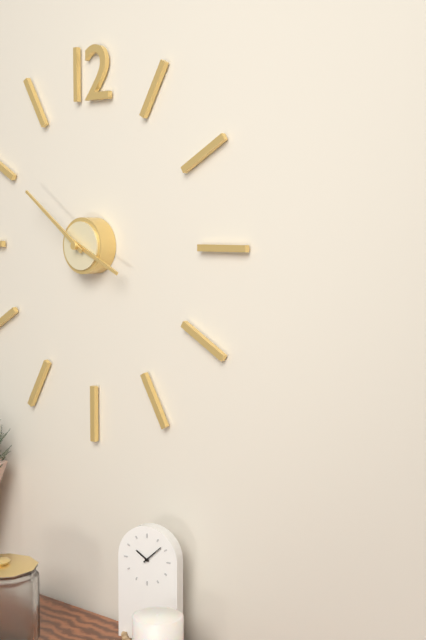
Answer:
3 h 51 min
